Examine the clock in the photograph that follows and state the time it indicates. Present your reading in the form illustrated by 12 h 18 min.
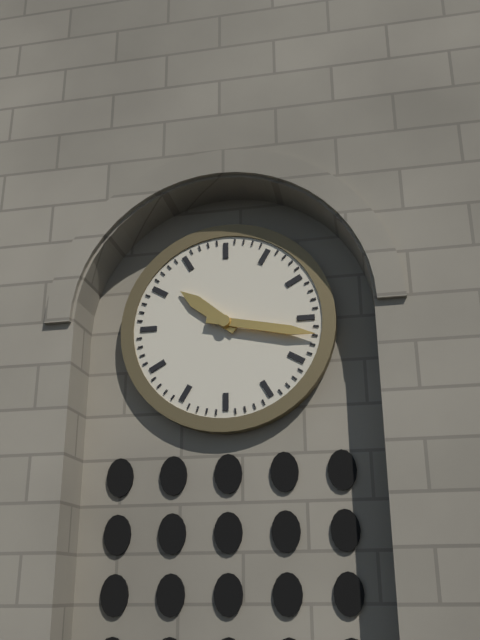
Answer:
10 h 17 min
